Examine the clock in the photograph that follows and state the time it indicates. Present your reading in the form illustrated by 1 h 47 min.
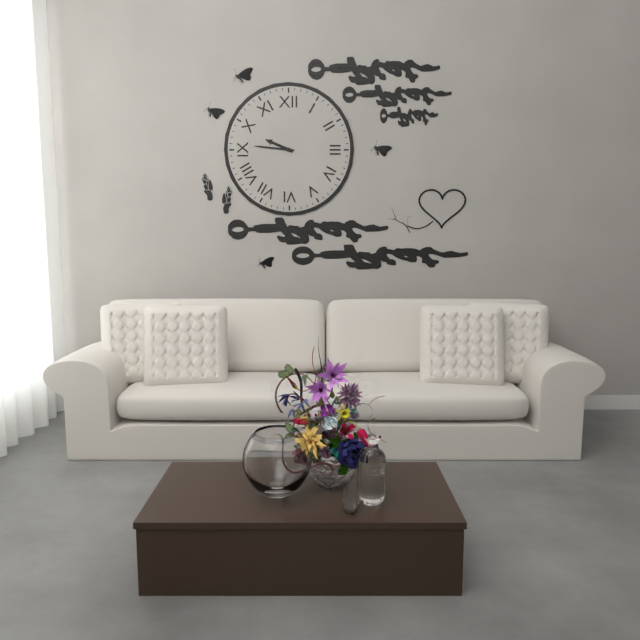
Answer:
9 h 46 min
